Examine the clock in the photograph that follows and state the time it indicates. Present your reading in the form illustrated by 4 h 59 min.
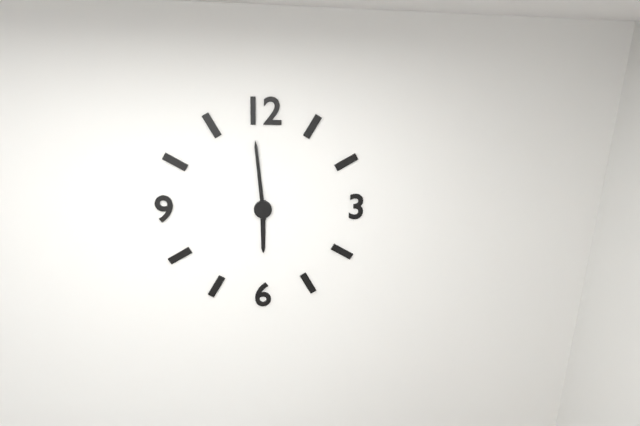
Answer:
5 h 59 min
